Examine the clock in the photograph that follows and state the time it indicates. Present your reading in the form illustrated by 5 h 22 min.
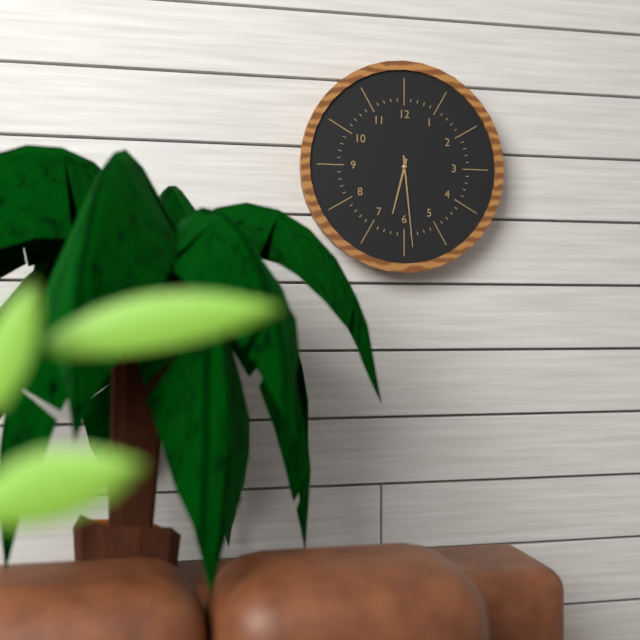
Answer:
6 h 29 min
